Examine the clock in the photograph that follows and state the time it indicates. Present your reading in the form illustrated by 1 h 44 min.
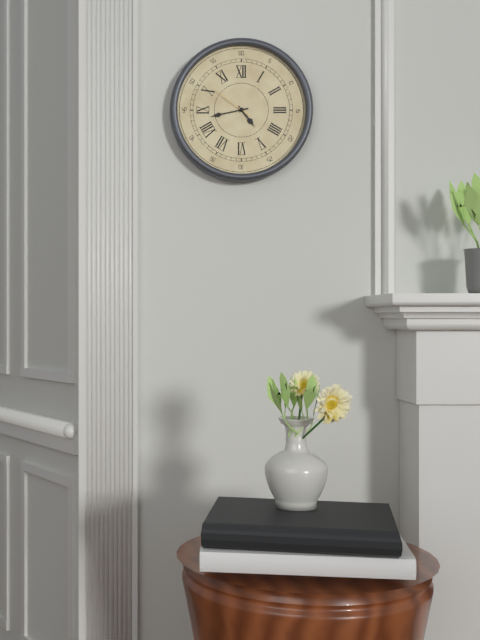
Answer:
4 h 43 min
